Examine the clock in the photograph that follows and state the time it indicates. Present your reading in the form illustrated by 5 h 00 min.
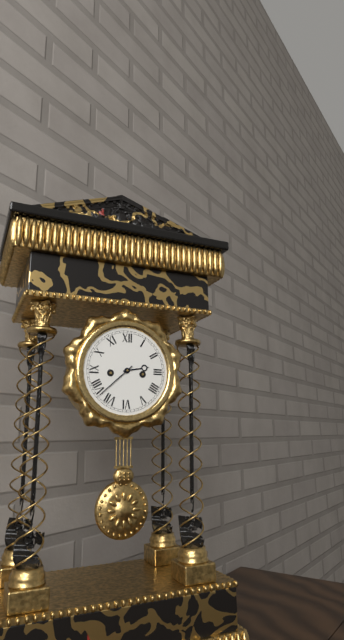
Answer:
2 h 38 min
